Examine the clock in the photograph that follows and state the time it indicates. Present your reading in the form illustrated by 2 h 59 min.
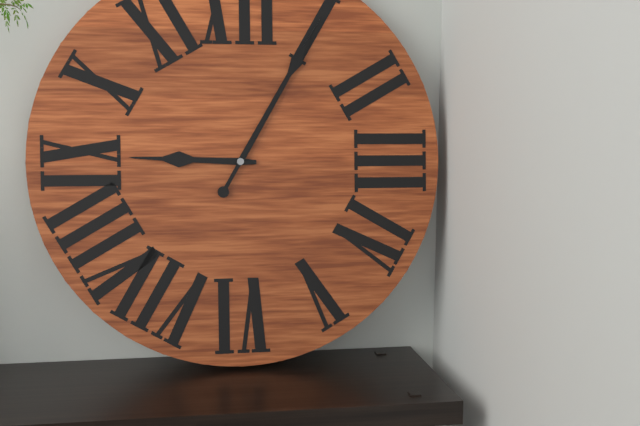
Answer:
9 h 05 min
